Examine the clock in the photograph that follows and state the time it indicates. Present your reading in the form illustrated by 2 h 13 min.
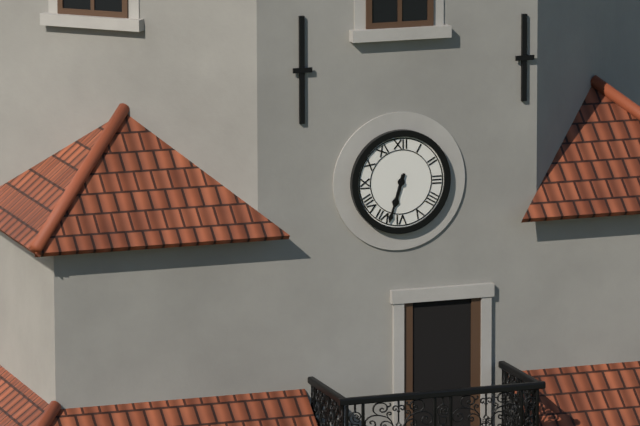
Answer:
6 h 33 min
